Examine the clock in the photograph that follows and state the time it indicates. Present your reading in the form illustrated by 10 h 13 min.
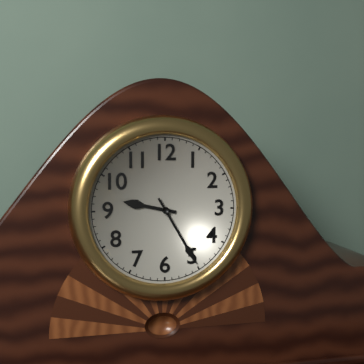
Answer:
9 h 25 min
